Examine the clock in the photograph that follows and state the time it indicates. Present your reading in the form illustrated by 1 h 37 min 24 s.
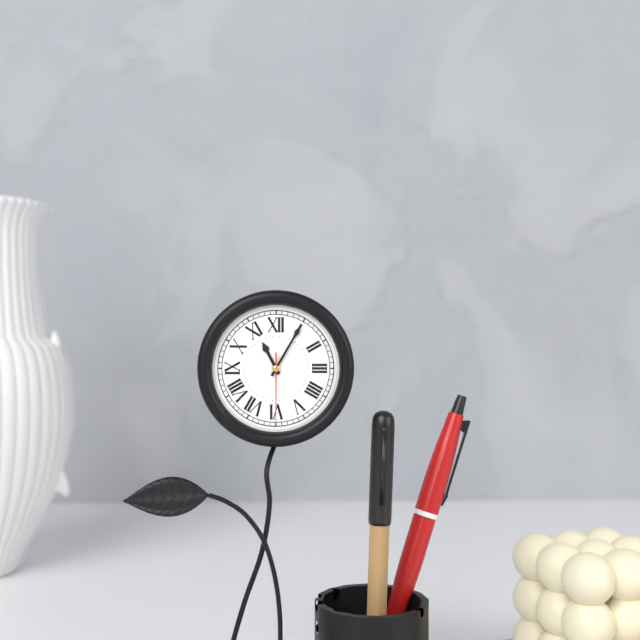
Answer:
11 h 05 min 30 s
